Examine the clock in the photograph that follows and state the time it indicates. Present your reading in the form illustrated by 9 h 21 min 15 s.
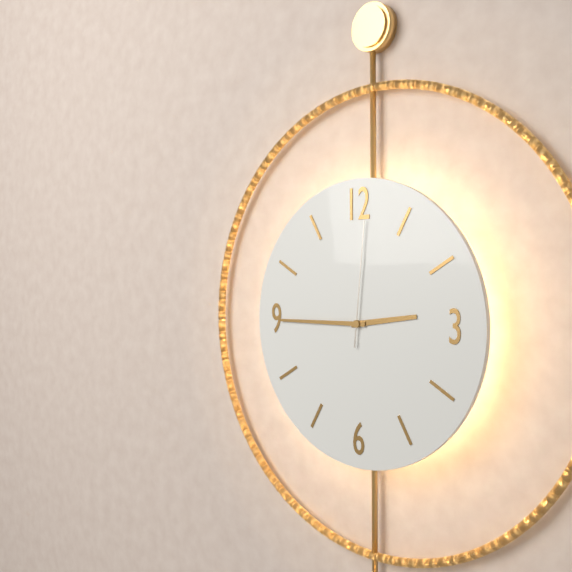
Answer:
2 h 45 min 01 s
